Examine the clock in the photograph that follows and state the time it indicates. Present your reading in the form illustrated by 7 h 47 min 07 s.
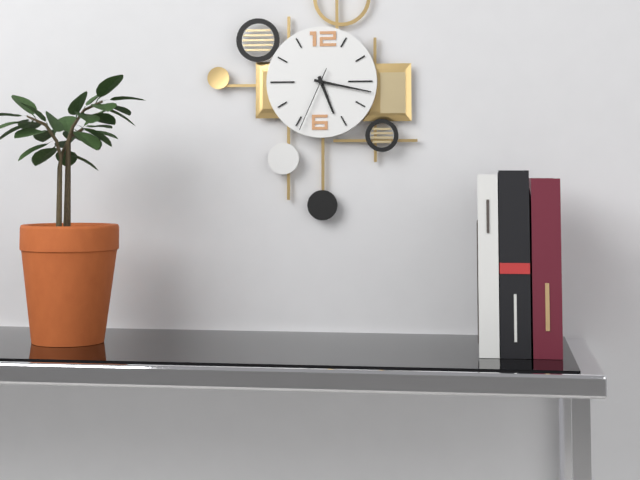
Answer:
5 h 17 min 34 s
